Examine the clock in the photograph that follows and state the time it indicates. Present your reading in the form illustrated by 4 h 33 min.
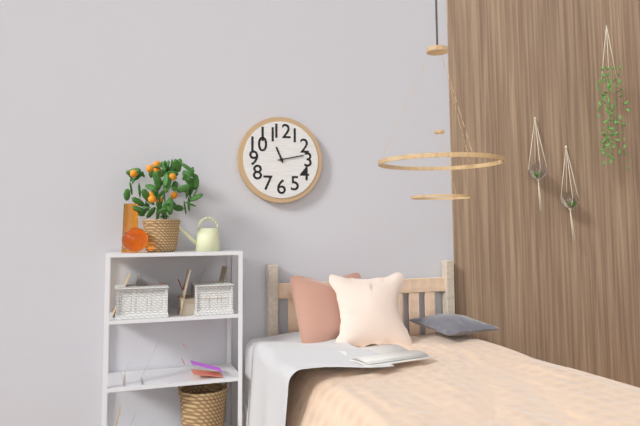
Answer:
11 h 13 min
